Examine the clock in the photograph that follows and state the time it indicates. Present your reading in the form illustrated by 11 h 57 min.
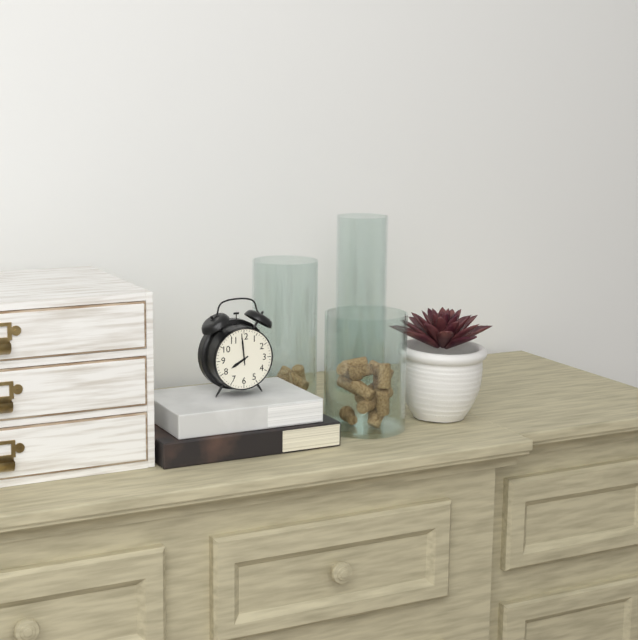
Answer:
7 h 59 min
